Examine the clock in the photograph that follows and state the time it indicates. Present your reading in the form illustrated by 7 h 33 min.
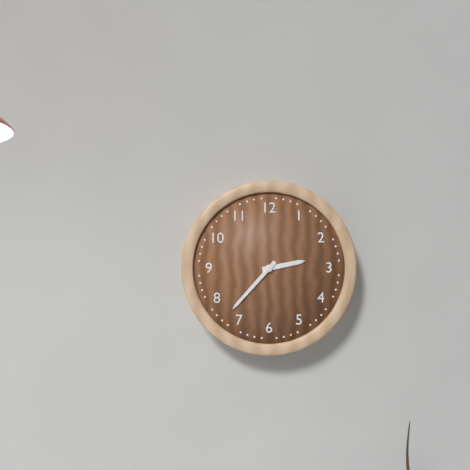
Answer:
2 h 37 min
